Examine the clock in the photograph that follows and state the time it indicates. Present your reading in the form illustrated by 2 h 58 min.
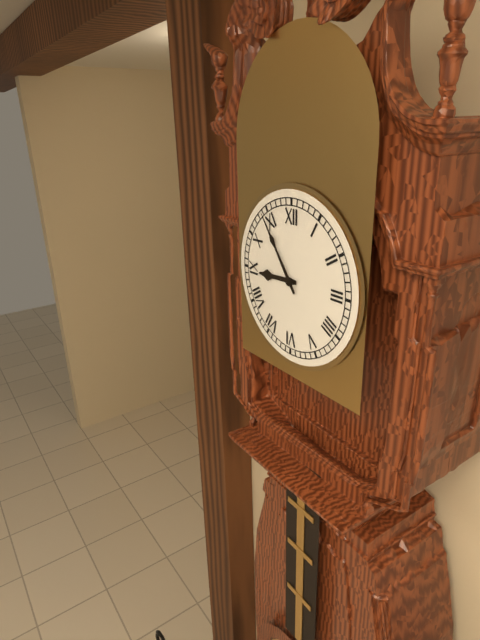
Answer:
8 h 54 min
